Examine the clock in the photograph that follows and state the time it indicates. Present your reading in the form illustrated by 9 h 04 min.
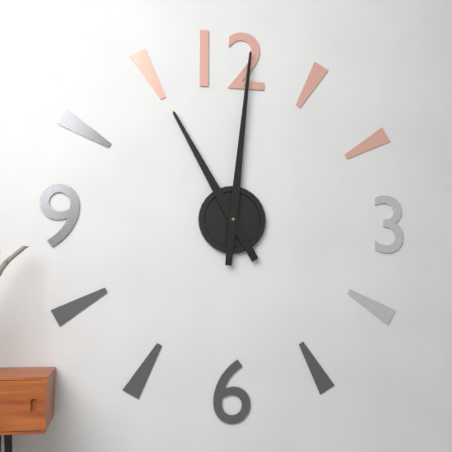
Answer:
11 h 01 min
